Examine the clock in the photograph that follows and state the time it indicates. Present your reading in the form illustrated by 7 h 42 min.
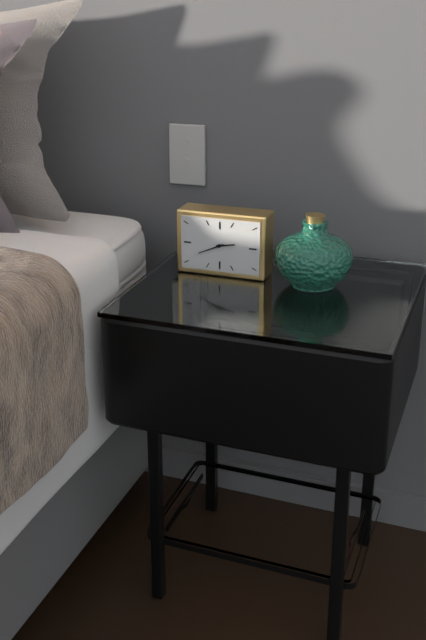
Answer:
2 h 41 min
